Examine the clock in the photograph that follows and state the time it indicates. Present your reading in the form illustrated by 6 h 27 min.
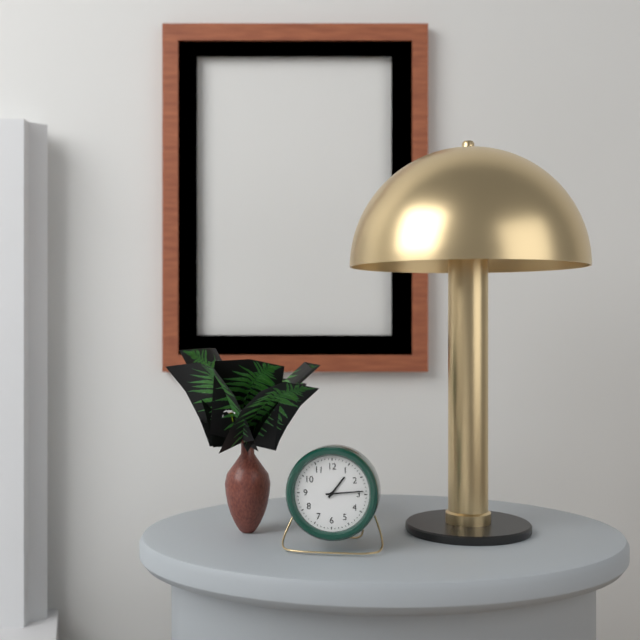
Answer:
1 h 14 min
